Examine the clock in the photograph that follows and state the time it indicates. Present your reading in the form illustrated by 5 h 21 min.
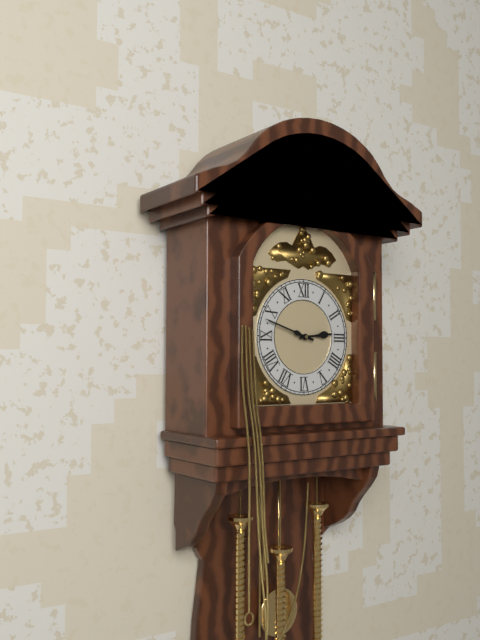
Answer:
2 h 48 min
